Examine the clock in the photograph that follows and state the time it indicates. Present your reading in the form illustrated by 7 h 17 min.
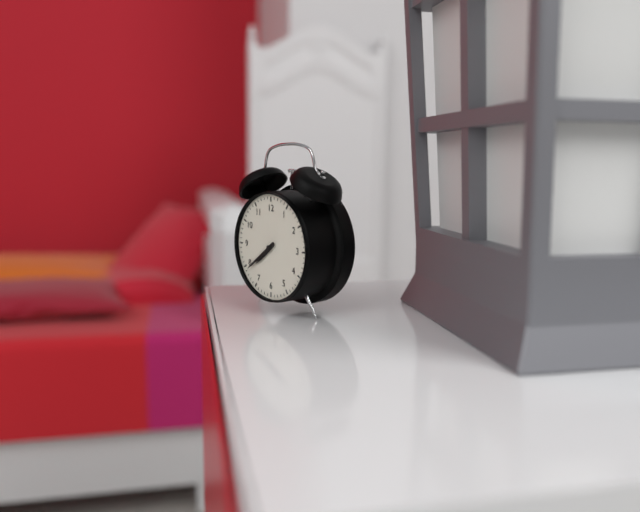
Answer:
7 h 39 min
